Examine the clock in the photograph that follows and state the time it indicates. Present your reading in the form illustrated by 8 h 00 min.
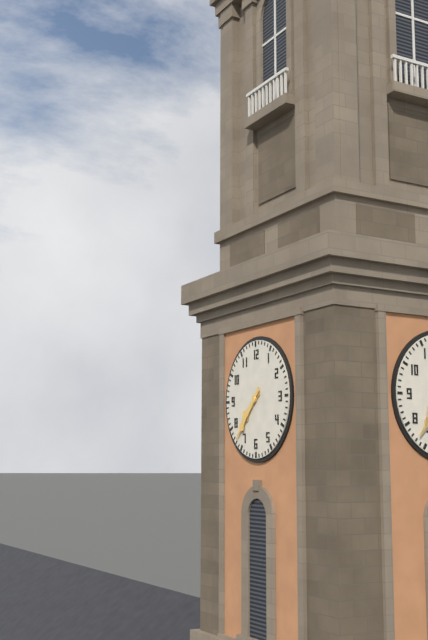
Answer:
7 h 37 min
